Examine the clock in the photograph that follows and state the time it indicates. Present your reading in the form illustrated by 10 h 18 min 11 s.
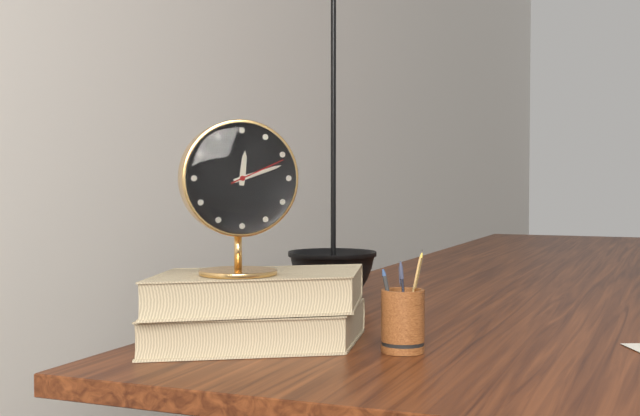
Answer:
12 h 12 min 11 s
